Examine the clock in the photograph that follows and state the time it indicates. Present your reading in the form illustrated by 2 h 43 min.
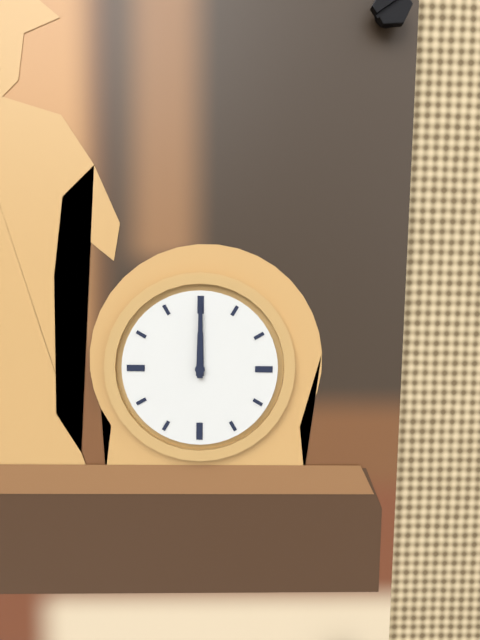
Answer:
12 h 00 min
